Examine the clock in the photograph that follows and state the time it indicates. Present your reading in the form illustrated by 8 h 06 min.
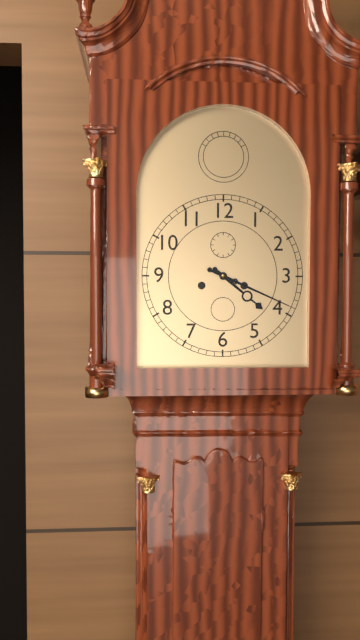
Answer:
4 h 19 min
